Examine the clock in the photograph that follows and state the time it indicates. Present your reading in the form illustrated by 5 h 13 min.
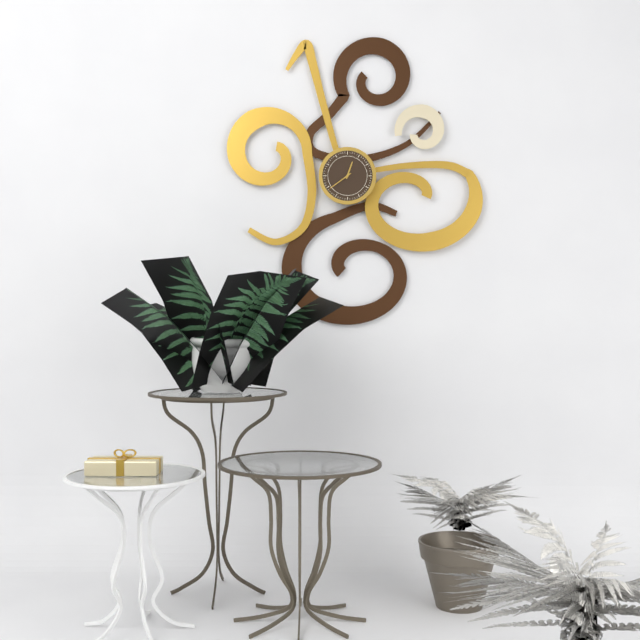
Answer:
12 h 39 min
